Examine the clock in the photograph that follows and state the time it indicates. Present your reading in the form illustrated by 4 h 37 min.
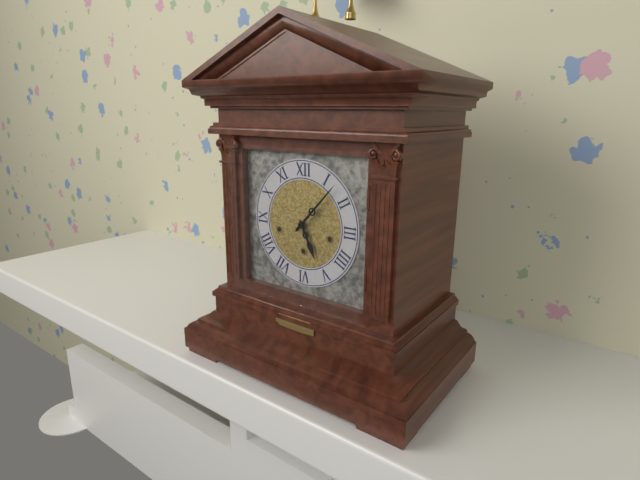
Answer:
5 h 07 min
